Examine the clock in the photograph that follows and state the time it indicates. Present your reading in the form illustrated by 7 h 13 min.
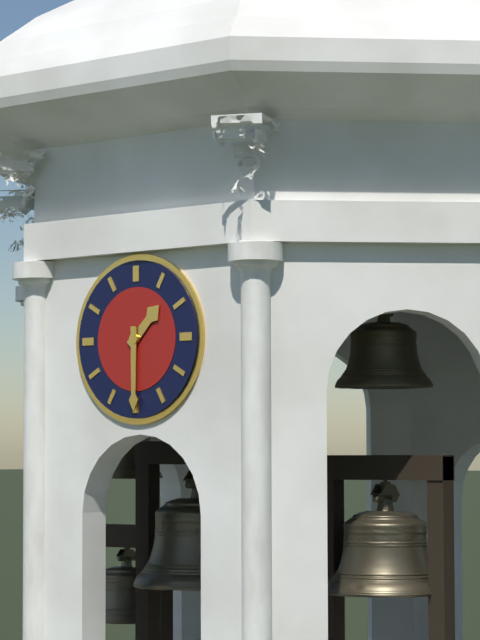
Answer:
1 h 30 min
